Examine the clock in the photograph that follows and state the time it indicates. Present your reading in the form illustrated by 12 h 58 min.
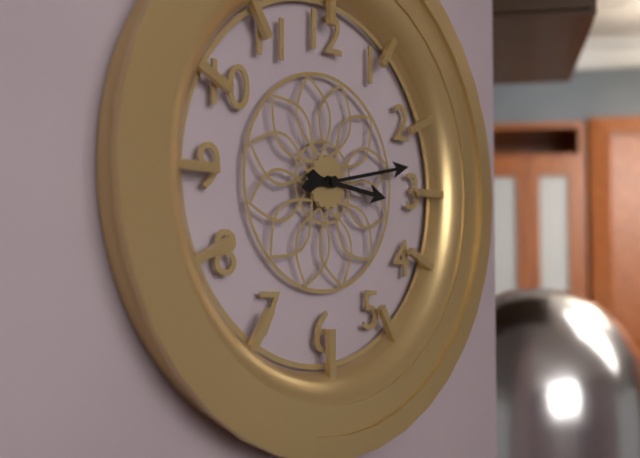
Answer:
3 h 13 min
